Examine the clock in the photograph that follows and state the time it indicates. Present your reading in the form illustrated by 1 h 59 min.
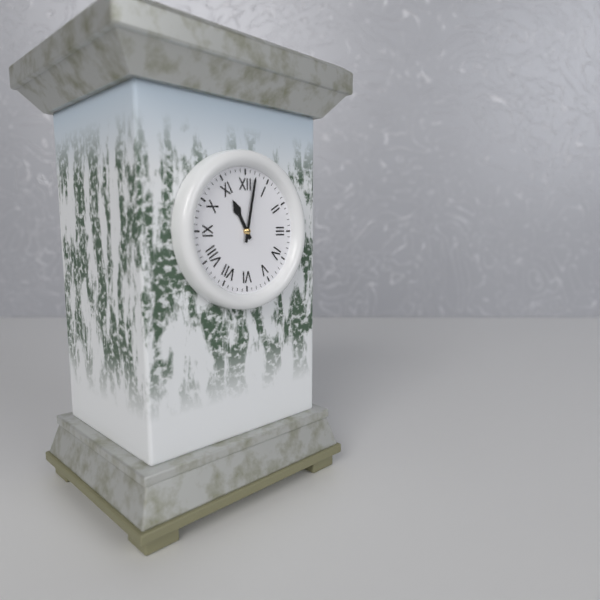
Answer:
11 h 02 min
